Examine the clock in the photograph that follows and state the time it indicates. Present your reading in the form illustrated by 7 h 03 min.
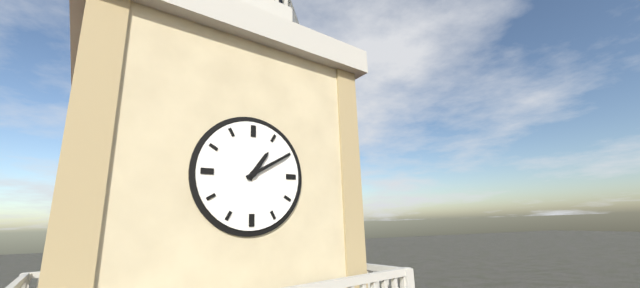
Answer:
1 h 10 min
